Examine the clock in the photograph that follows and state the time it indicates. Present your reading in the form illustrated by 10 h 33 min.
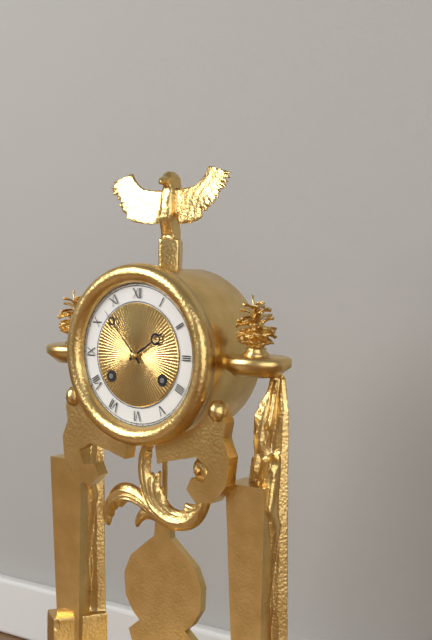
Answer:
1 h 53 min
